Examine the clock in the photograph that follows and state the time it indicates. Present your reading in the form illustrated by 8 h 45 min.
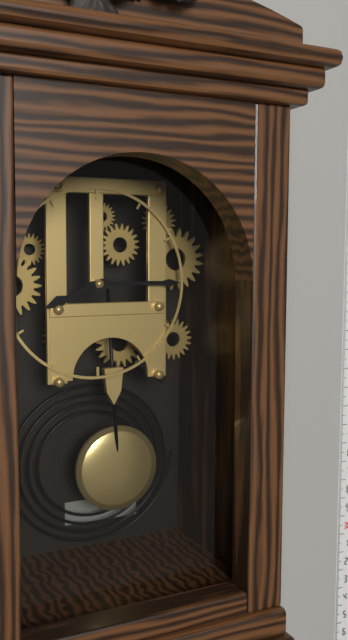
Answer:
8 h 15 min
